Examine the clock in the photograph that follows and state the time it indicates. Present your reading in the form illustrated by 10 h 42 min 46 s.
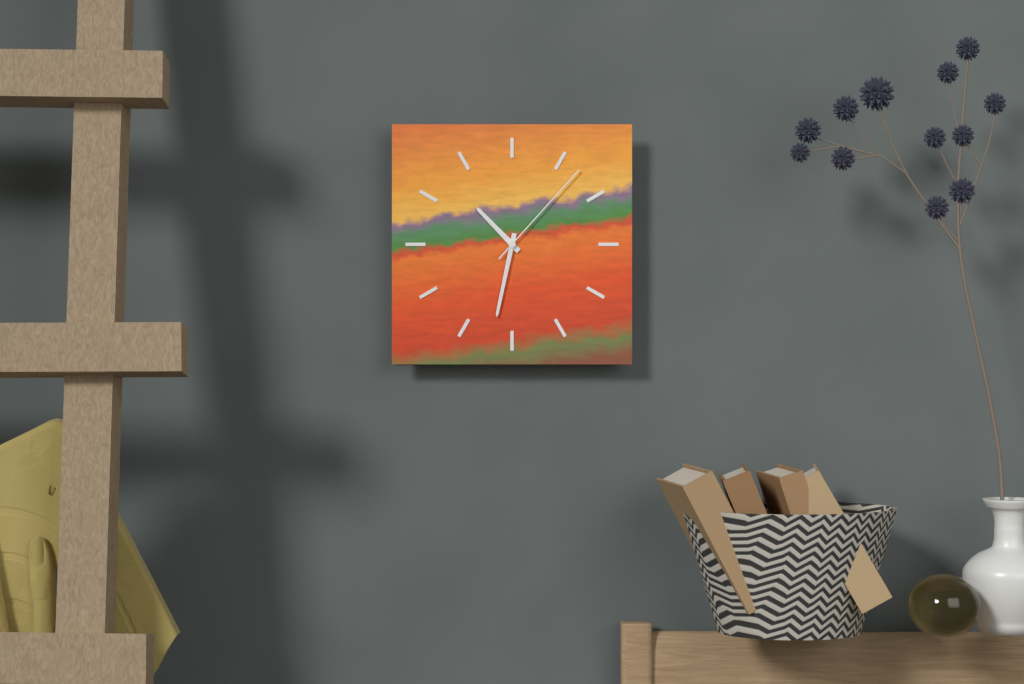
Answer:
10 h 32 min 07 s
